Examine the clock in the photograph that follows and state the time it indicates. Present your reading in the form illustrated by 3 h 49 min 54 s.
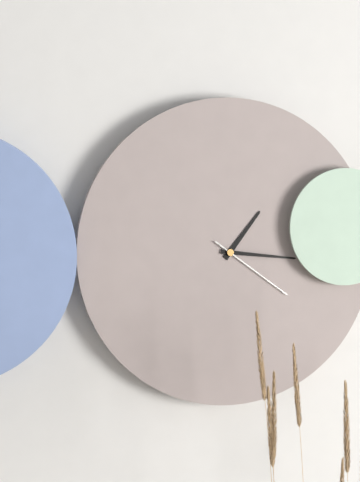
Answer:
1 h 16 min 21 s
